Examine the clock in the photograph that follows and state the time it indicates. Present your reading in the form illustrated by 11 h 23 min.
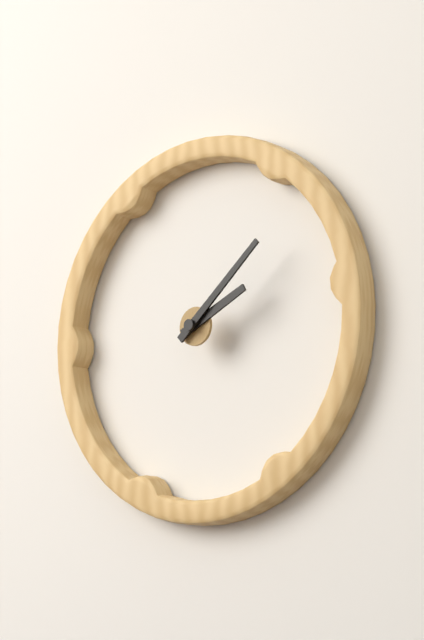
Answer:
2 h 08 min
